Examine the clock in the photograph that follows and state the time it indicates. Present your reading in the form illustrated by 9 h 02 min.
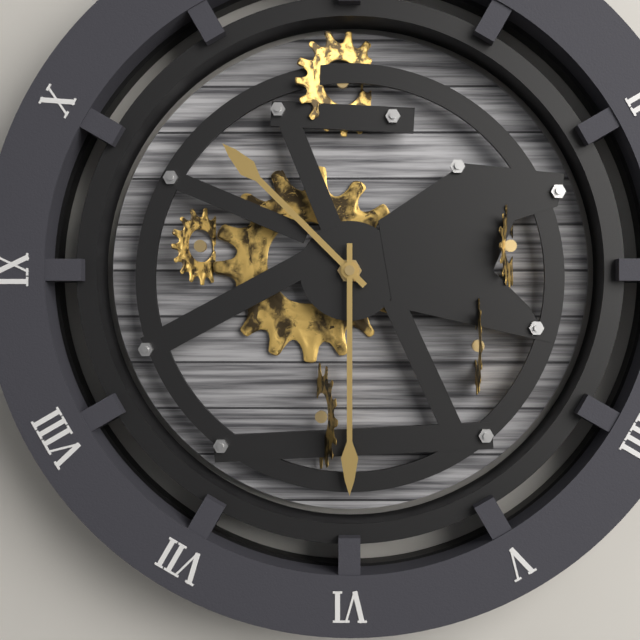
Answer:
10 h 30 min
